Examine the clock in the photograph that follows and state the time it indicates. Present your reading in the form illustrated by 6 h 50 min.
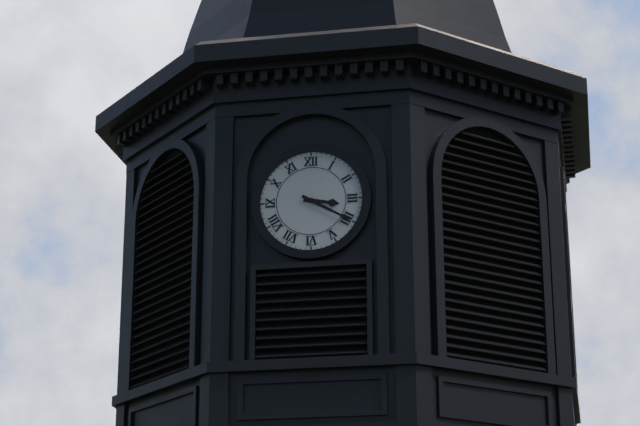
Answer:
3 h 20 min
